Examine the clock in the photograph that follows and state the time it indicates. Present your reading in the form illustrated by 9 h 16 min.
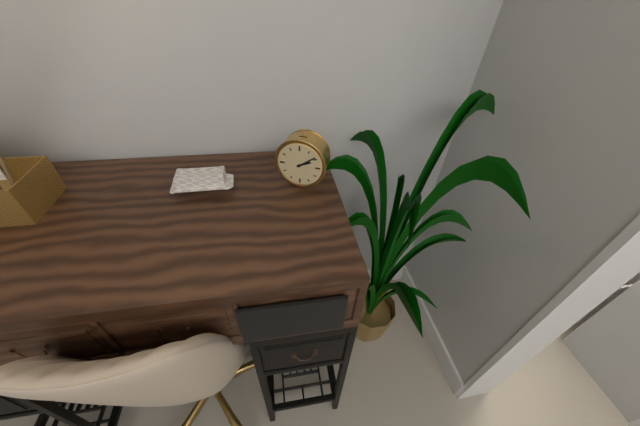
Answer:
2 h 09 min
